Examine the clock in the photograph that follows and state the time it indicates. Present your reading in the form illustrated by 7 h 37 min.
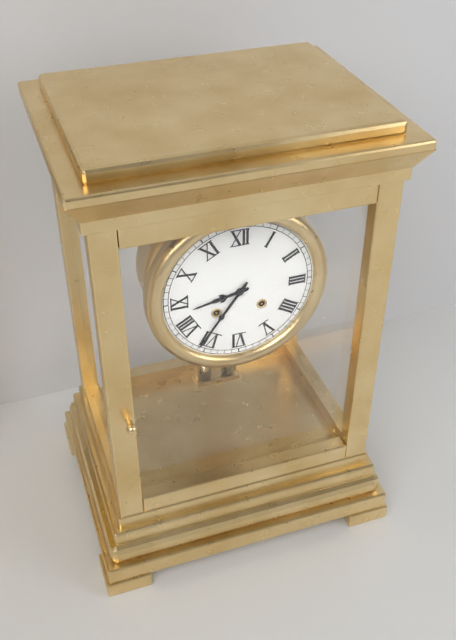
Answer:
8 h 36 min
